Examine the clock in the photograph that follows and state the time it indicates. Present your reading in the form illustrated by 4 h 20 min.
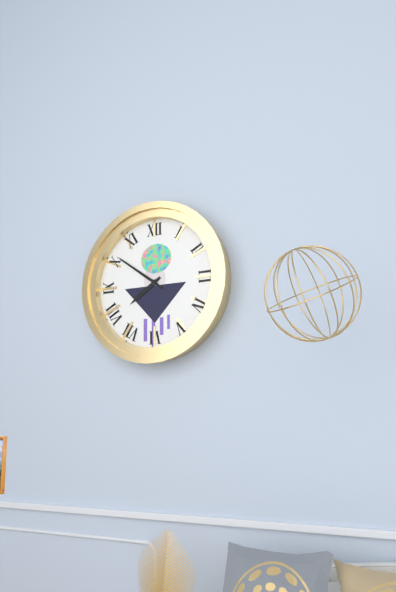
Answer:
7 h 51 min
